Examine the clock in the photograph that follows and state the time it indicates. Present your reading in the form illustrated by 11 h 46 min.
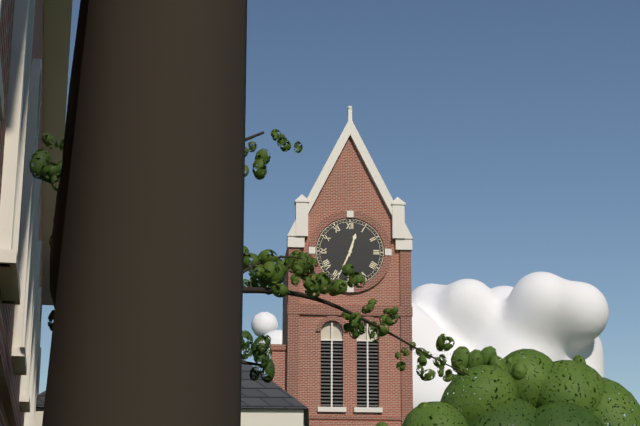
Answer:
12 h 34 min
